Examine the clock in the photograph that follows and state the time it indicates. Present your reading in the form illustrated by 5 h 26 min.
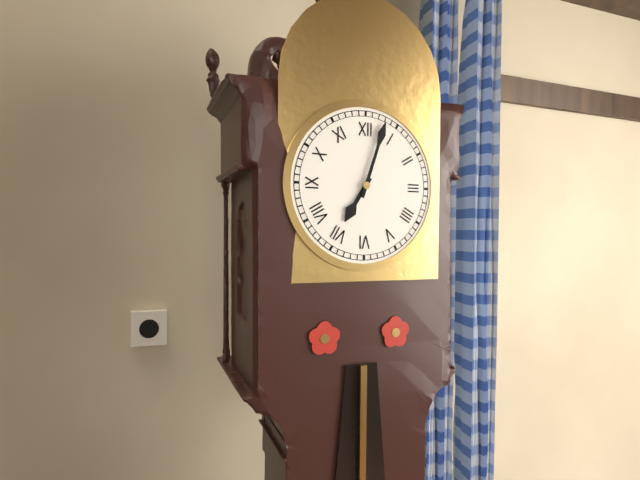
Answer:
7 h 03 min
